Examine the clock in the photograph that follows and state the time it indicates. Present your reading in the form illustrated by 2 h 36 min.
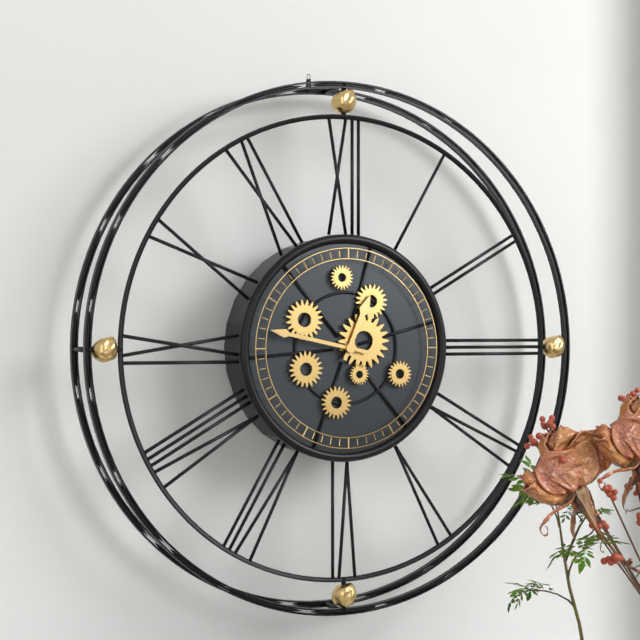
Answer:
12 h 47 min
